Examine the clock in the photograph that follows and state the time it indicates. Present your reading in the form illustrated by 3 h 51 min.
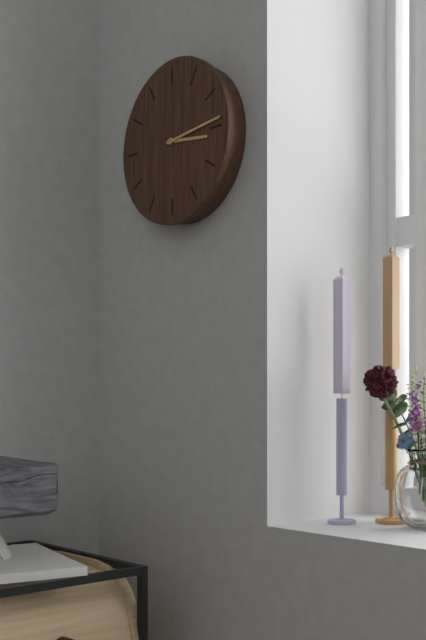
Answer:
3 h 14 min
